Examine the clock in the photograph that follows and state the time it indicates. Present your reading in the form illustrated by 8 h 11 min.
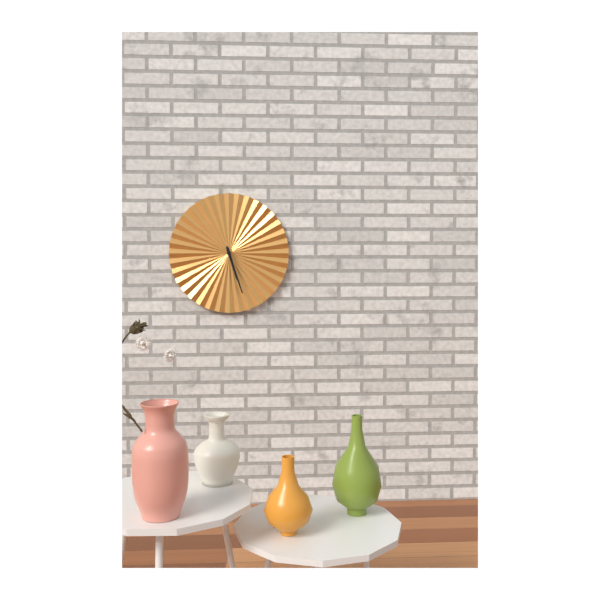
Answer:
5 h 27 min
